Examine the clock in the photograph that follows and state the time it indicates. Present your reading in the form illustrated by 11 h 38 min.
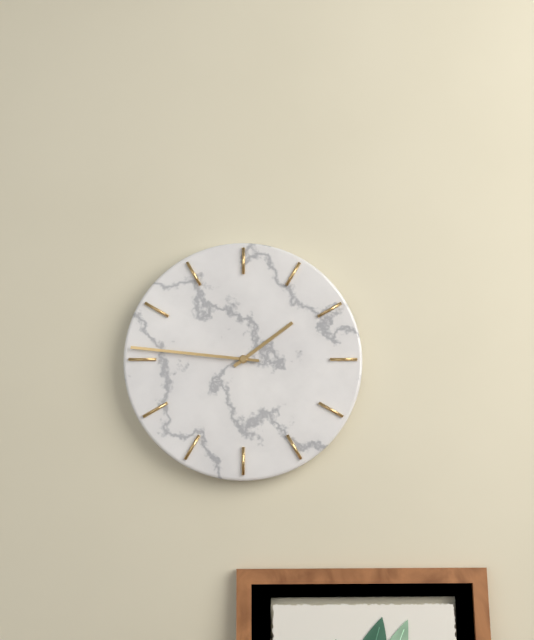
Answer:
1 h 46 min
